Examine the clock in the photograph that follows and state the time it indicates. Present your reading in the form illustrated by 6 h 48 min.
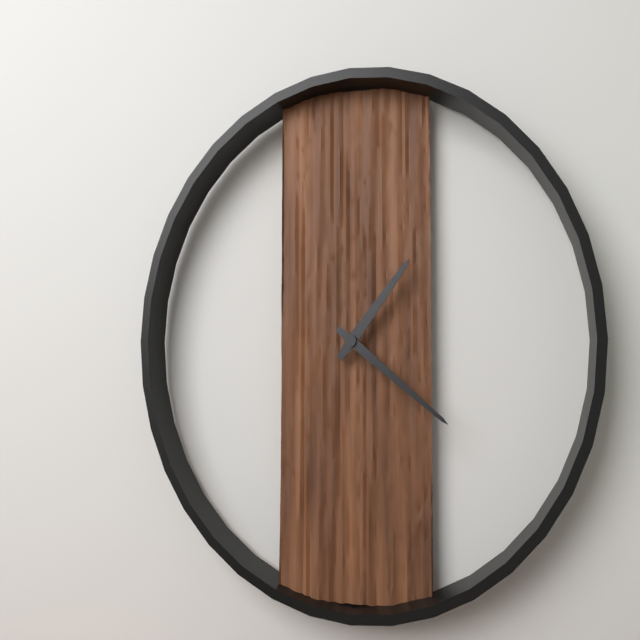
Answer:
1 h 21 min
